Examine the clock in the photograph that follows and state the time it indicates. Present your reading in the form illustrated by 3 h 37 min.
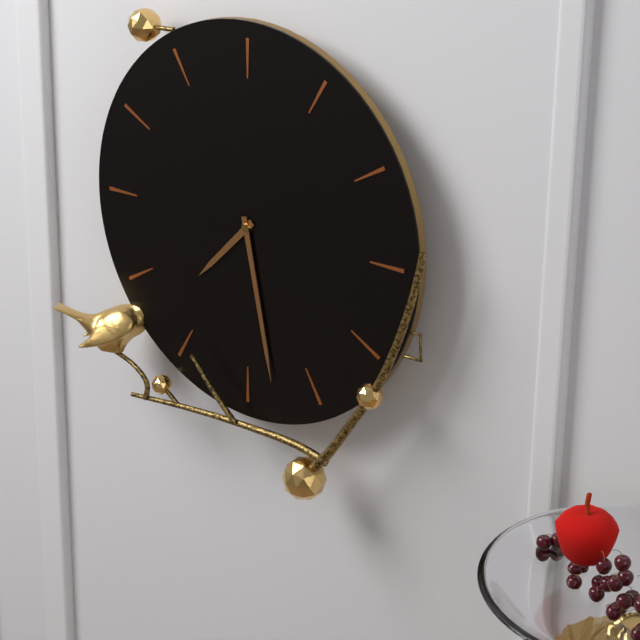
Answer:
7 h 28 min
